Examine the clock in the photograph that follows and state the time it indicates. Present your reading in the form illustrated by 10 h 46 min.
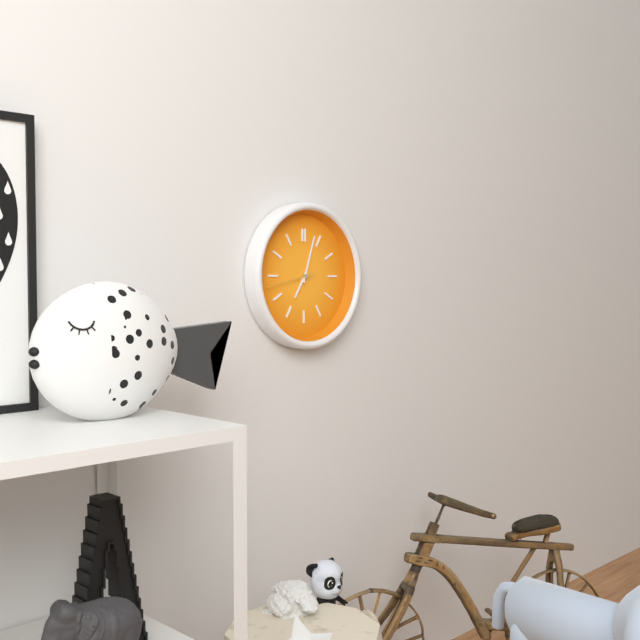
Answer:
7 h 03 min
